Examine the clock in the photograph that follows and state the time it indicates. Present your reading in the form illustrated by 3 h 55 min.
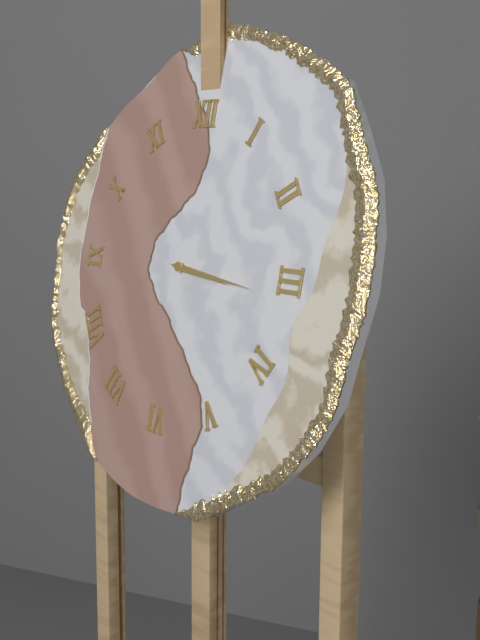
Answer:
3 h 16 min
